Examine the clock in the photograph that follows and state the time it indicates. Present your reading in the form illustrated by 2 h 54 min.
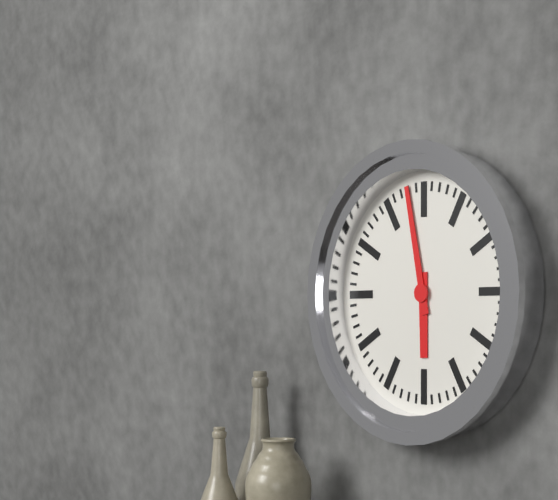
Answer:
5 h 58 min
